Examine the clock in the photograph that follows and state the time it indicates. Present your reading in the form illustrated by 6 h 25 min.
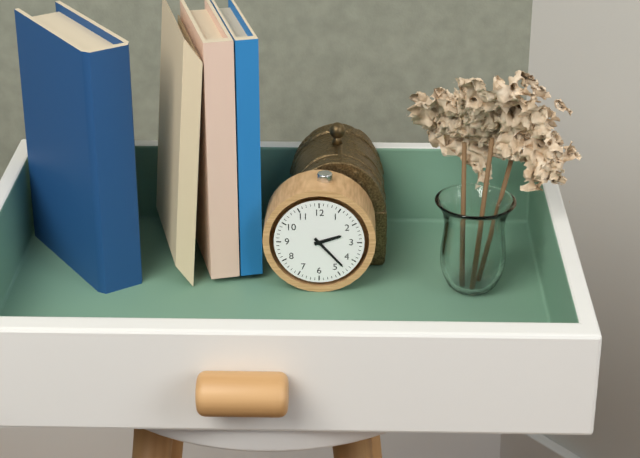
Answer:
2 h 23 min
